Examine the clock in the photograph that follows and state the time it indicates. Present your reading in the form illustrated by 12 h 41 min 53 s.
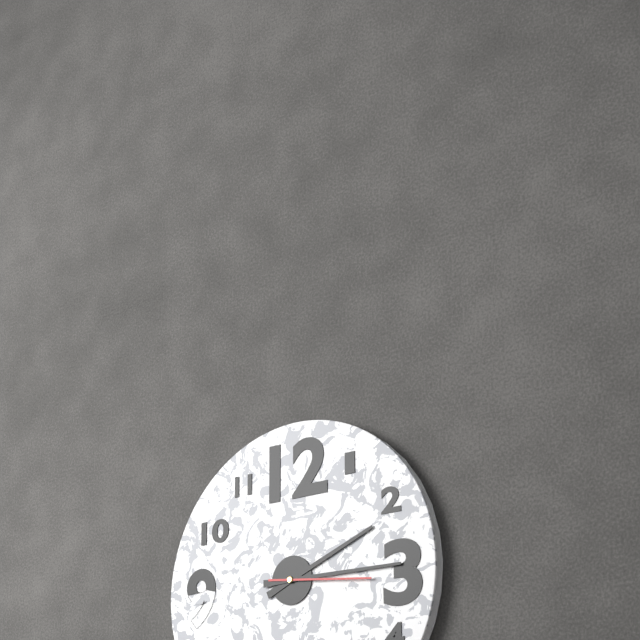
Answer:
2 h 15 min 16 s
